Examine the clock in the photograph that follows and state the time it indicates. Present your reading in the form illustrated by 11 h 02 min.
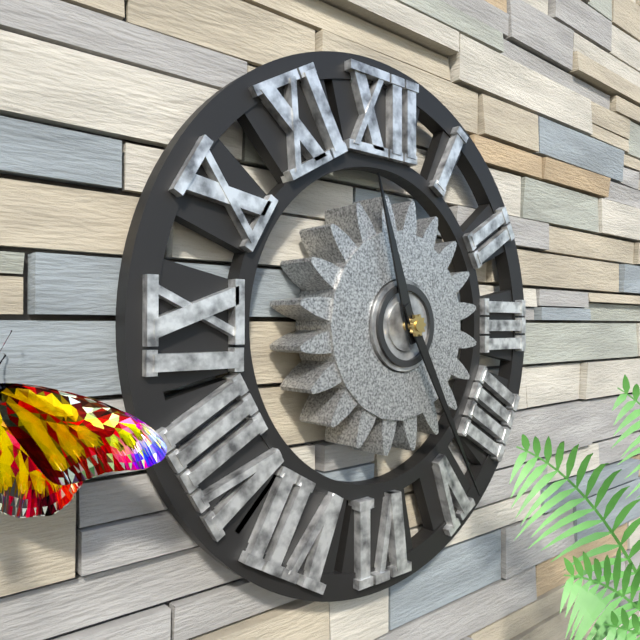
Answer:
11 h 25 min
